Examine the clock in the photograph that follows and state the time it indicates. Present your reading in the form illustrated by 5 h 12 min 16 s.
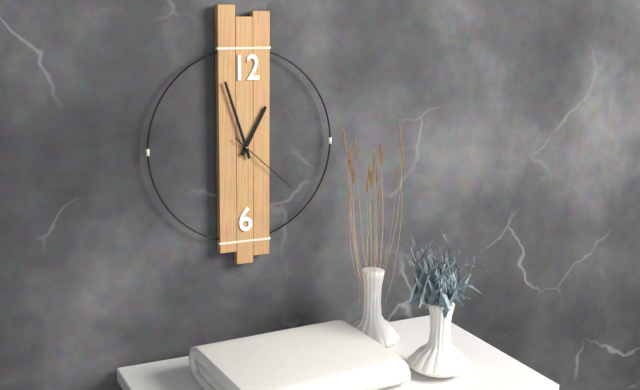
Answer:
12 h 57 min 22 s
